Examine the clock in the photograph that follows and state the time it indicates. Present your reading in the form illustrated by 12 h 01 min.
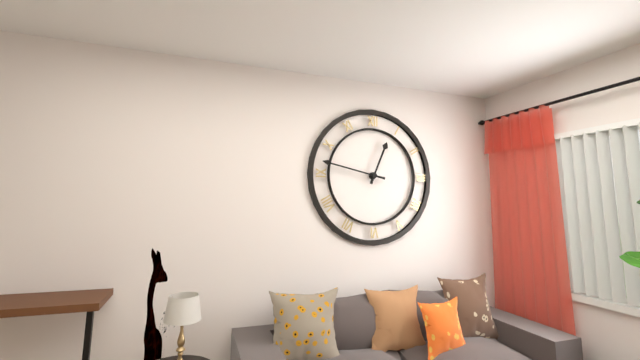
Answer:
12 h 47 min
